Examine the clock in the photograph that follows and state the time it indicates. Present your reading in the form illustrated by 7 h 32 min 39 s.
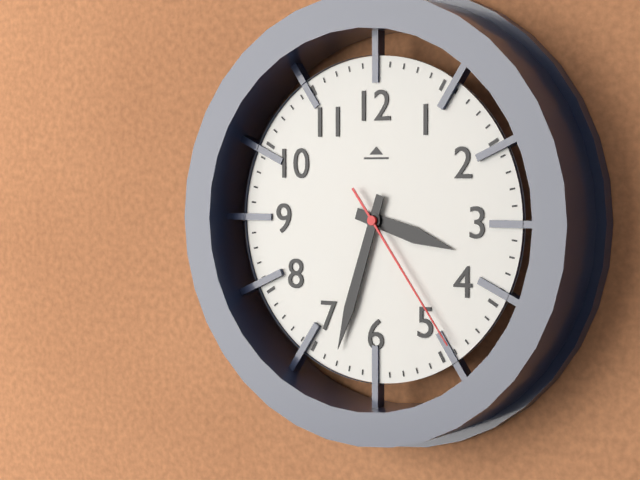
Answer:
3 h 33 min 24 s
